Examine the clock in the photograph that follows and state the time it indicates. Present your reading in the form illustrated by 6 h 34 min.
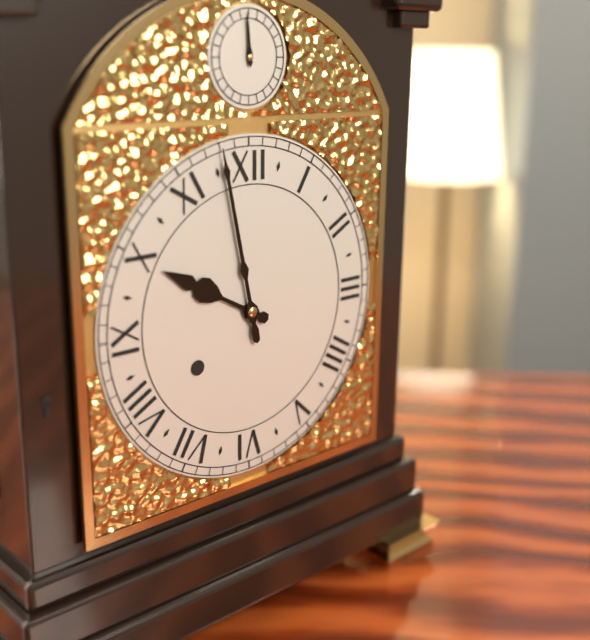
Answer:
9 h 58 min
